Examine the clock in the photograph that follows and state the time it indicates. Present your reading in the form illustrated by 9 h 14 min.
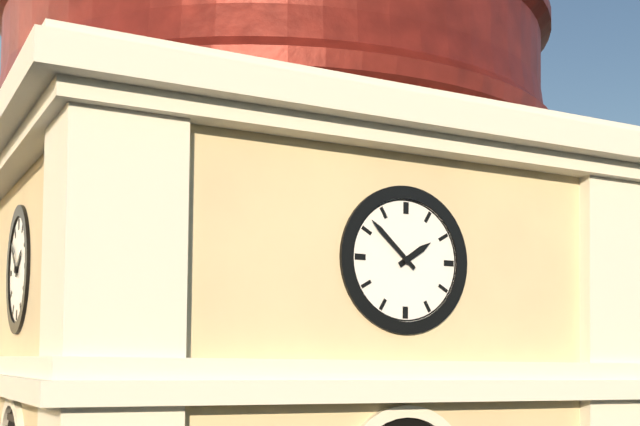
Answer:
1 h 52 min
